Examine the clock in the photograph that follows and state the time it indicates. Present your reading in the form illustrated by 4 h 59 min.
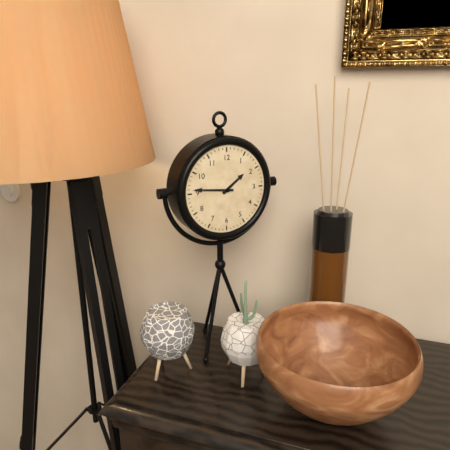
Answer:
1 h 46 min
